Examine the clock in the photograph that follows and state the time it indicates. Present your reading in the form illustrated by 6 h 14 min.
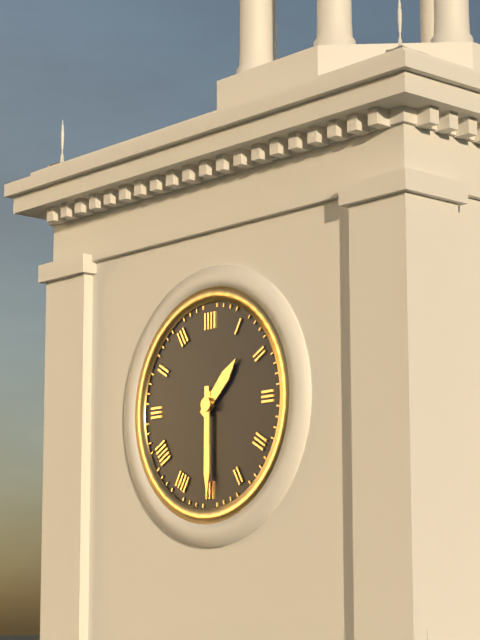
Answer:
1 h 30 min
